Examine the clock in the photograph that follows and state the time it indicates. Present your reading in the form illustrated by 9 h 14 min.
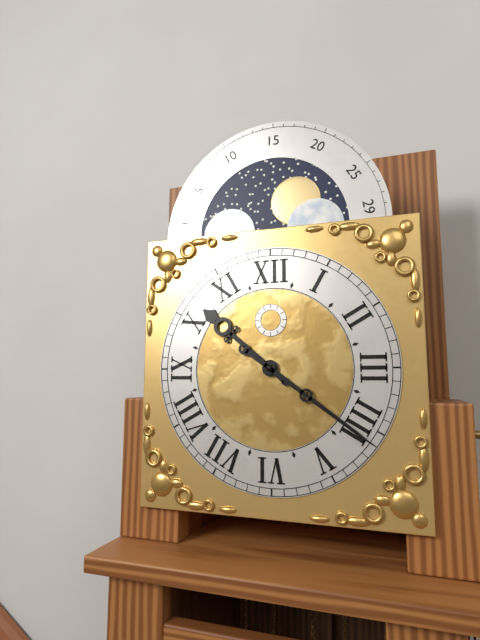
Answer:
10 h 21 min
